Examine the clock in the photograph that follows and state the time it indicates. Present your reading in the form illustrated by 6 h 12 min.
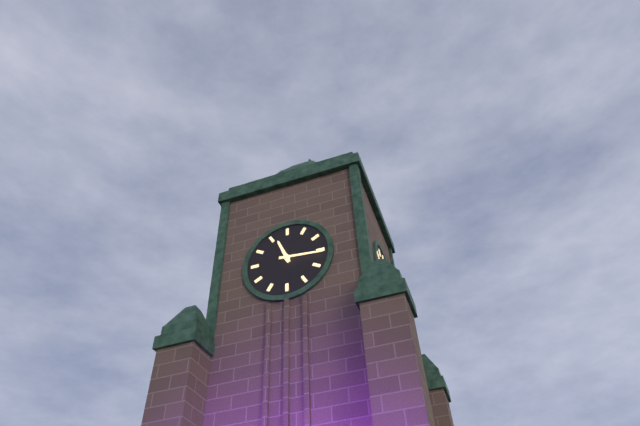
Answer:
11 h 16 min
